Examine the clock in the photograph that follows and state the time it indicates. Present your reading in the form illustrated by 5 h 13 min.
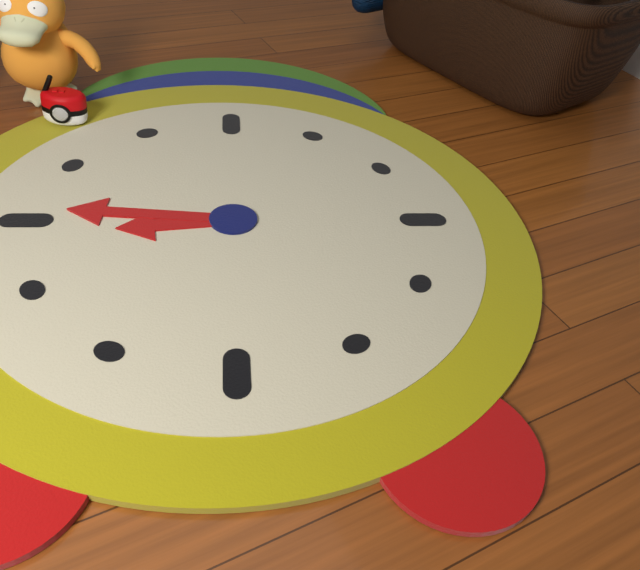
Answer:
8 h 46 min
